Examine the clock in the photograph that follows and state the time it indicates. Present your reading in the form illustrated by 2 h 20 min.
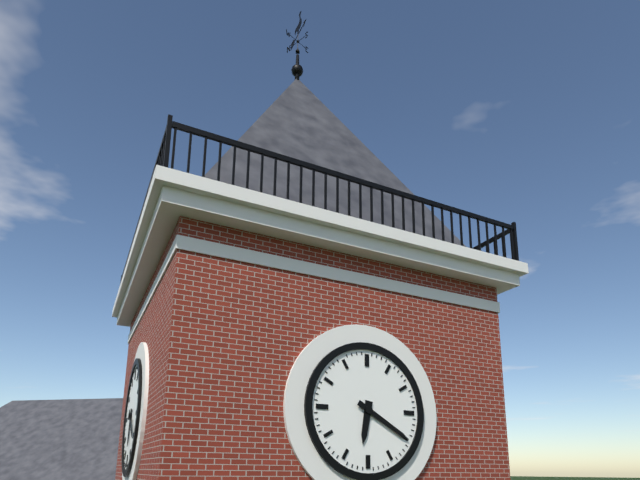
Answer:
6 h 20 min
